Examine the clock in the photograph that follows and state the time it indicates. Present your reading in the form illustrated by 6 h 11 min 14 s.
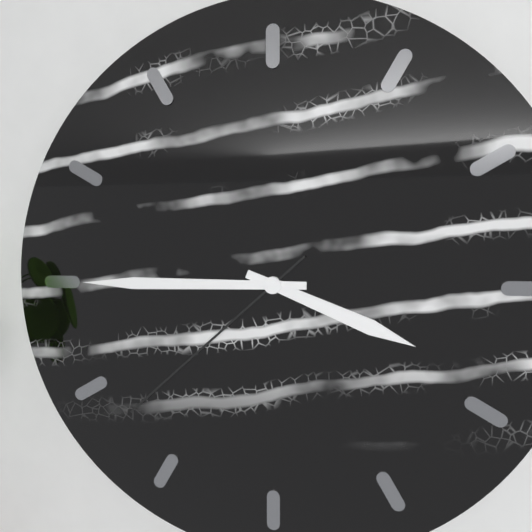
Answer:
3 h 45 min 38 s
